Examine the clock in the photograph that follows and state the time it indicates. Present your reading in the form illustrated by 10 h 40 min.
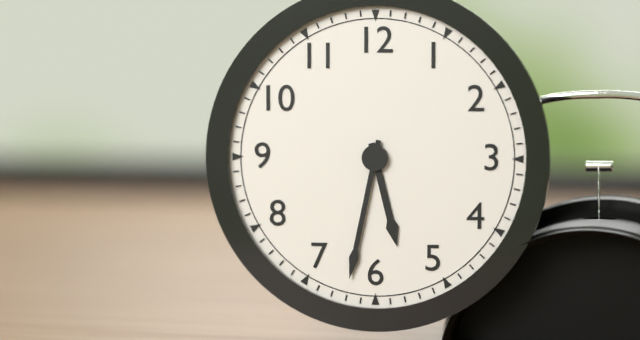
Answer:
5 h 32 min
